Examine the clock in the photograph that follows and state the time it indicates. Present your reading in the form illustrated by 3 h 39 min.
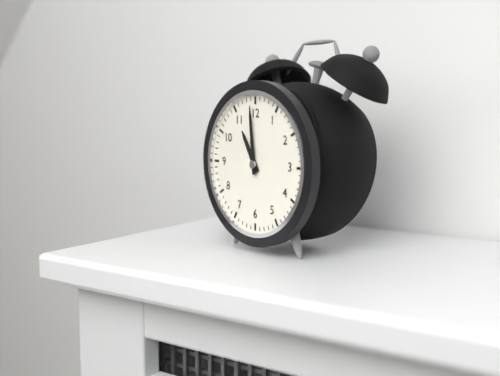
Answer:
10 h 59 min
